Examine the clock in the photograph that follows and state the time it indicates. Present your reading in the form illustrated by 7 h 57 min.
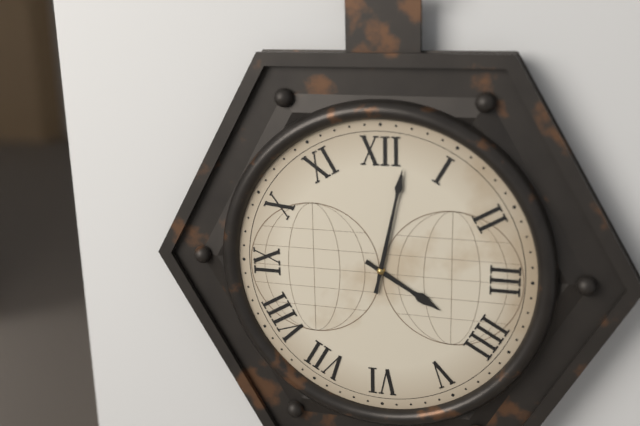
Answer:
4 h 02 min
